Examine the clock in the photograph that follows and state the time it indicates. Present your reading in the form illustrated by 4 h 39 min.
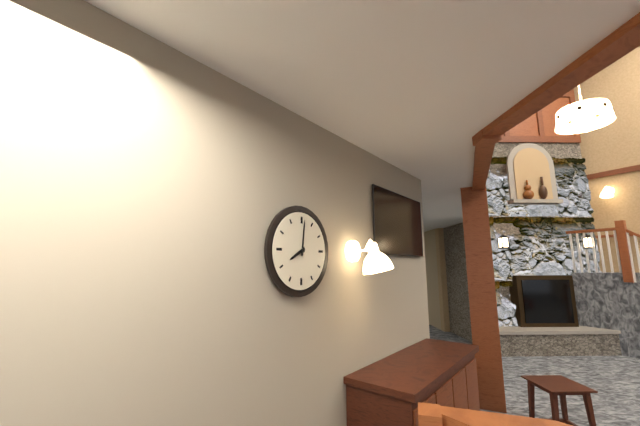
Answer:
8 h 01 min
